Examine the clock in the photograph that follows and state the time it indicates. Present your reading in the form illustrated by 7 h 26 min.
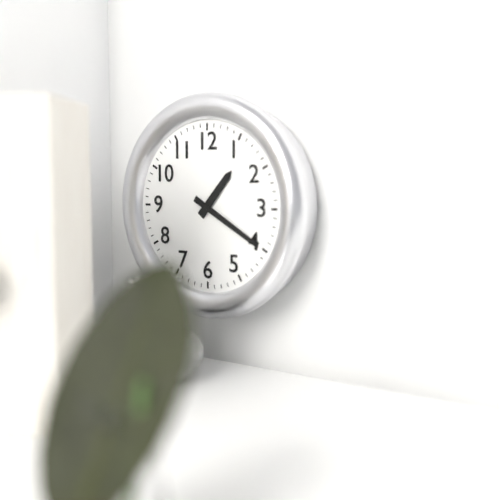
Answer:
1 h 20 min
